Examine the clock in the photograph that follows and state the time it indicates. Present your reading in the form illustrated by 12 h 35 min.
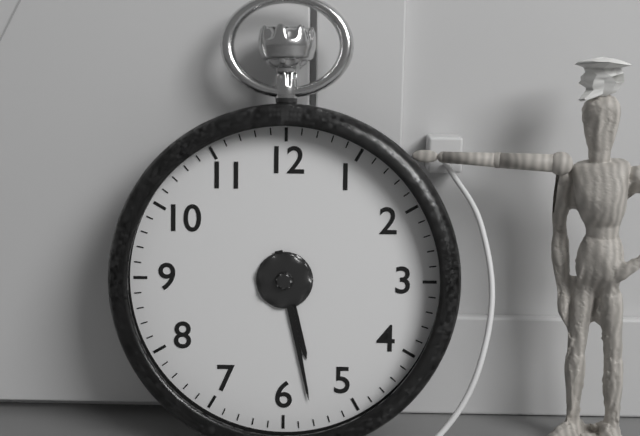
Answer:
5 h 28 min
